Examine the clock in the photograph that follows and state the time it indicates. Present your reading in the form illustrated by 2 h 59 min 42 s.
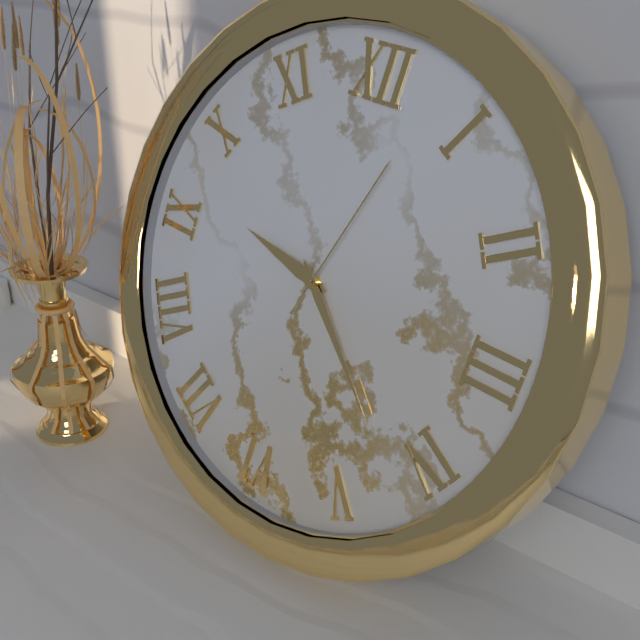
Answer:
9 h 22 min 03 s
